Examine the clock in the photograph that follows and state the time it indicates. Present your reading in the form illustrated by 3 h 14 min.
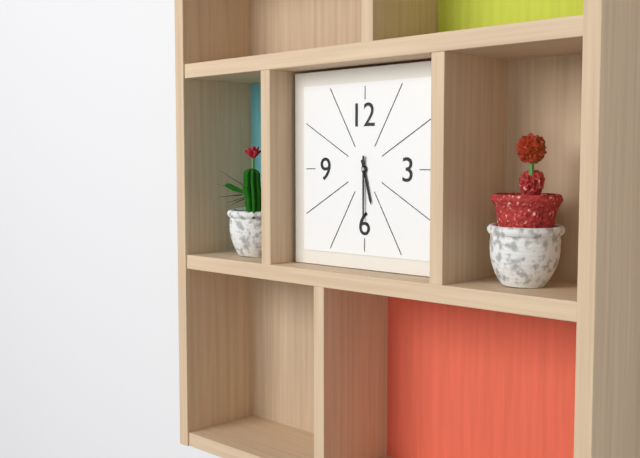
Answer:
5 h 30 min
